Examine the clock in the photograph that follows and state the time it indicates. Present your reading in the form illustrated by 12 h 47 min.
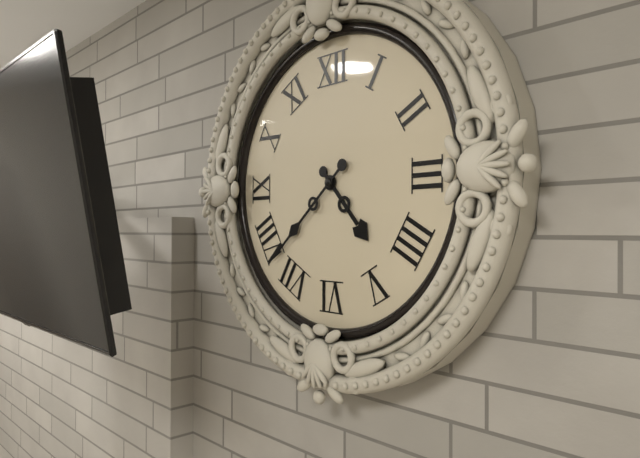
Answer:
4 h 38 min
